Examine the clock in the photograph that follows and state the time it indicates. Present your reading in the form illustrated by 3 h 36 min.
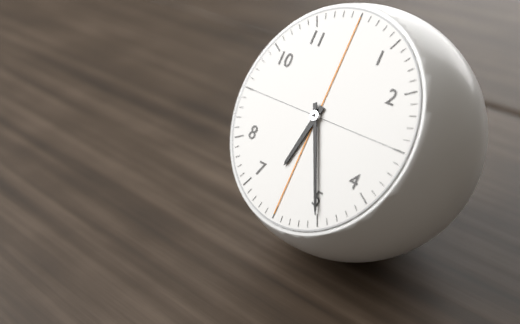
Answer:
6 h 25 min
